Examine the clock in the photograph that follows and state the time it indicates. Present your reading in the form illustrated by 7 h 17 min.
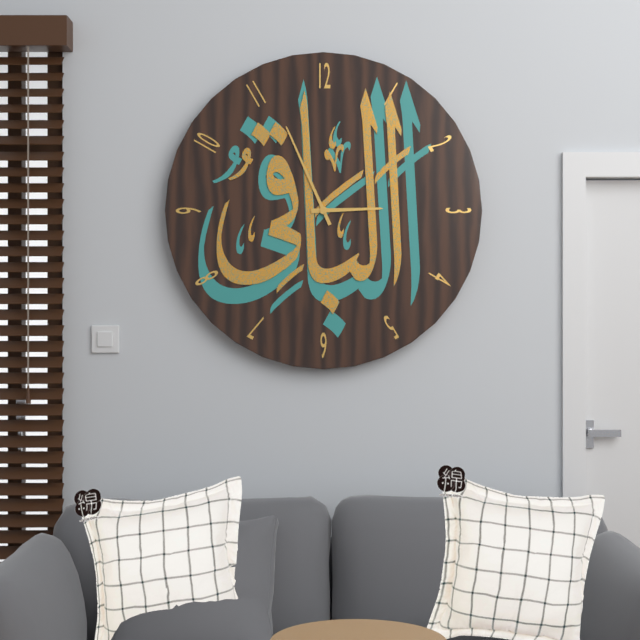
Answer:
2 h 56 min
